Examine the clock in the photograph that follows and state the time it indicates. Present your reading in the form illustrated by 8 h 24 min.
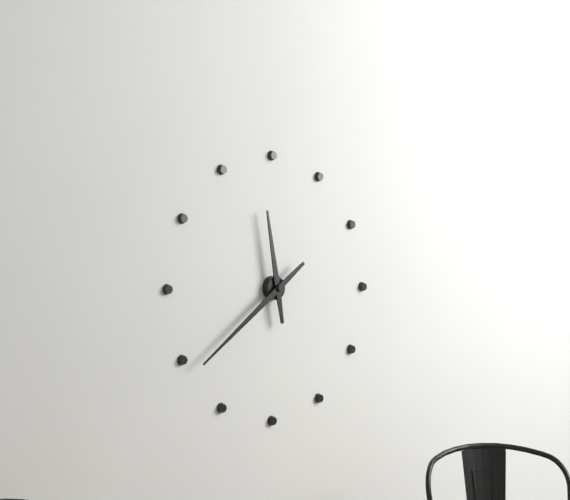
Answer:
11 h 39 min
